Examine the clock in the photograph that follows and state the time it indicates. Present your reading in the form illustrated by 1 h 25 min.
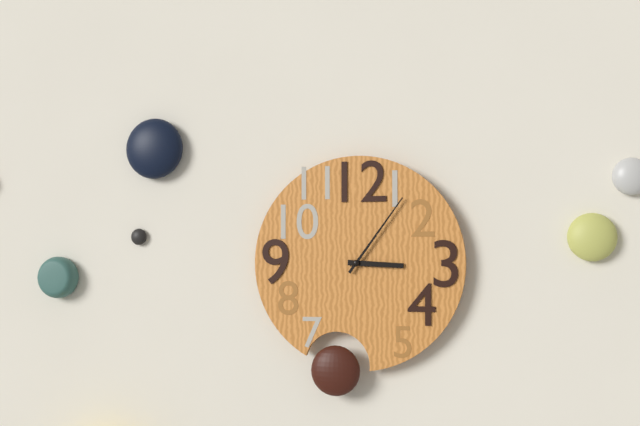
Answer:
3 h 06 min
